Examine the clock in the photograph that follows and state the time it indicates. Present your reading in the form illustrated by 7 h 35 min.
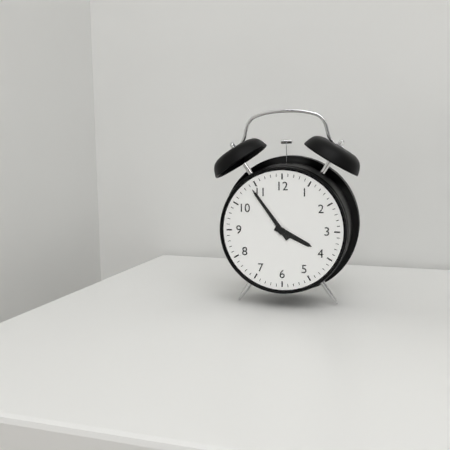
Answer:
3 h 54 min
